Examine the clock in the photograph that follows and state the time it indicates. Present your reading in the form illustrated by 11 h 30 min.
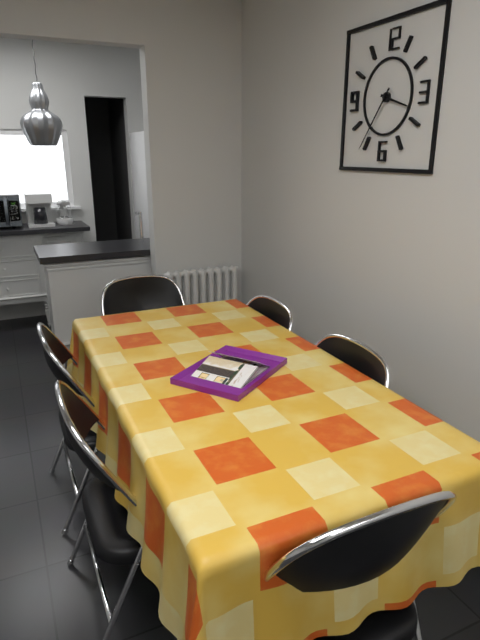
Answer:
3 h 36 min
